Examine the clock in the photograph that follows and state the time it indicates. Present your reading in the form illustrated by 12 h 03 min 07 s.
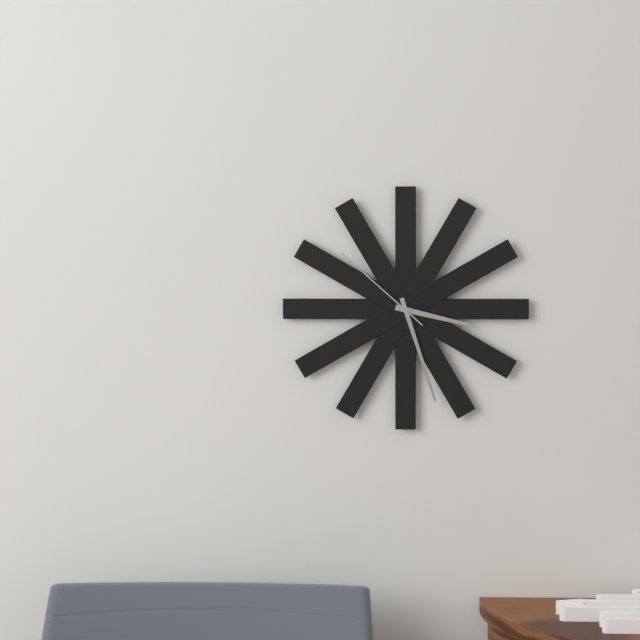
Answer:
3 h 27 min 52 s
